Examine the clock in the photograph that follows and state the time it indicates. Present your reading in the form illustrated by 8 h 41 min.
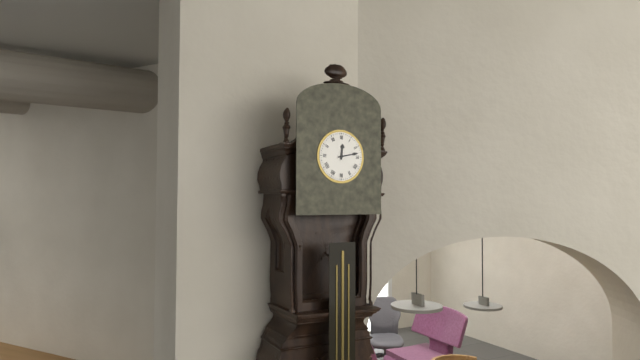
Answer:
12 h 13 min
